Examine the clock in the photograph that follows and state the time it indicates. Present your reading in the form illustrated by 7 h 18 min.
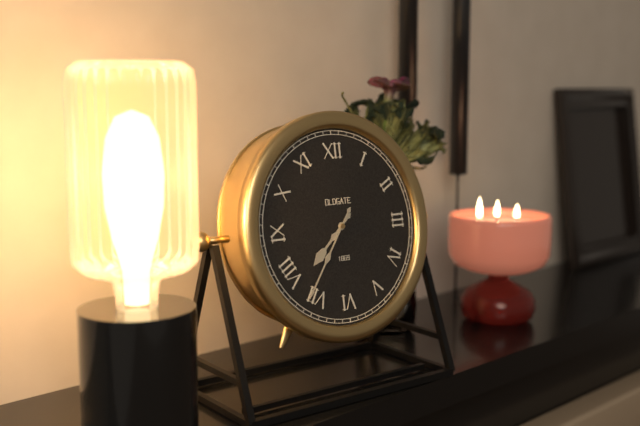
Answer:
7 h 36 min
